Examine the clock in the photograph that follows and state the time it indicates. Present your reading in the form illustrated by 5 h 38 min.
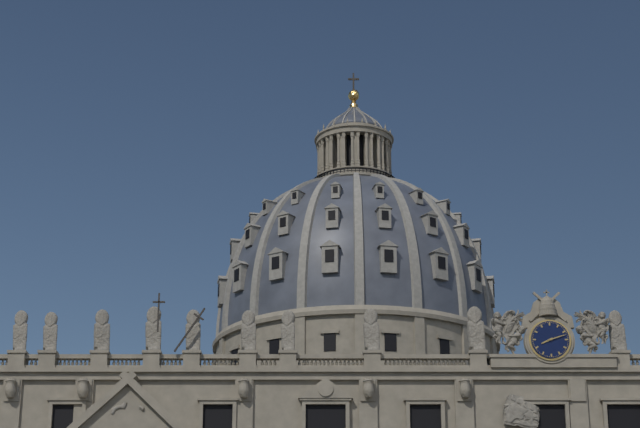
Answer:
8 h 12 min
